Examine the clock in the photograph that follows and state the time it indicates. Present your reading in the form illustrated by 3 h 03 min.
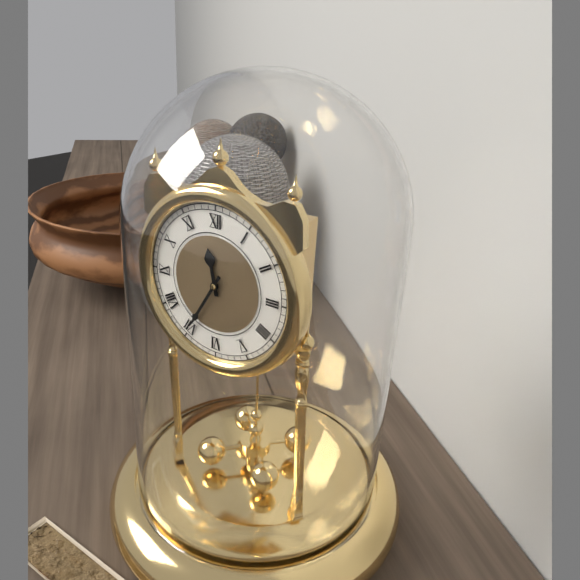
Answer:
11 h 35 min
